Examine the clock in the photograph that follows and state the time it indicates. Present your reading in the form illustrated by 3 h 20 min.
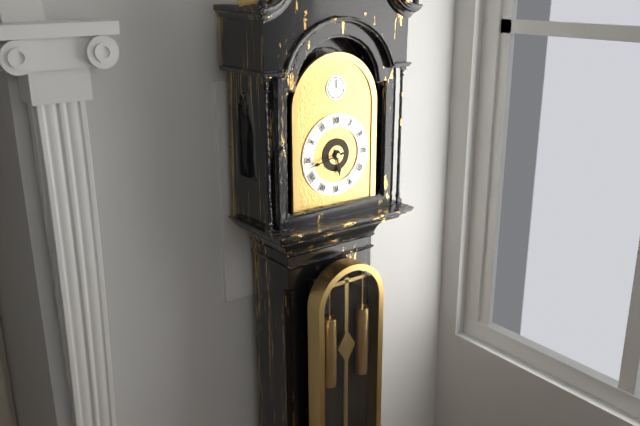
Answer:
5 h 43 min
